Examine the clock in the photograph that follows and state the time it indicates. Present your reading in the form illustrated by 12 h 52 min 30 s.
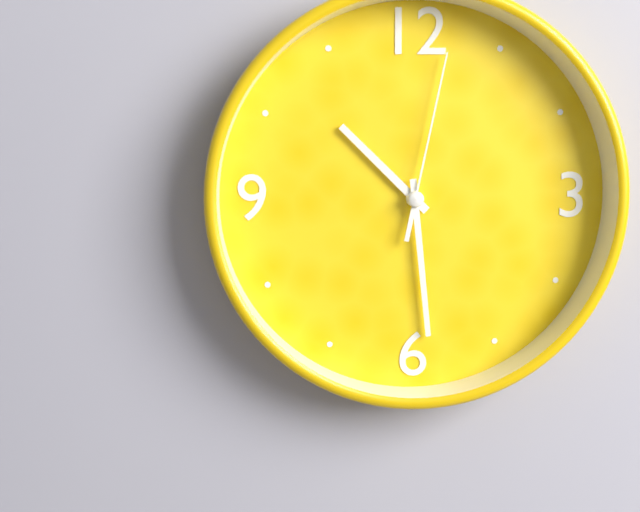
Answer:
10 h 29 min 02 s
